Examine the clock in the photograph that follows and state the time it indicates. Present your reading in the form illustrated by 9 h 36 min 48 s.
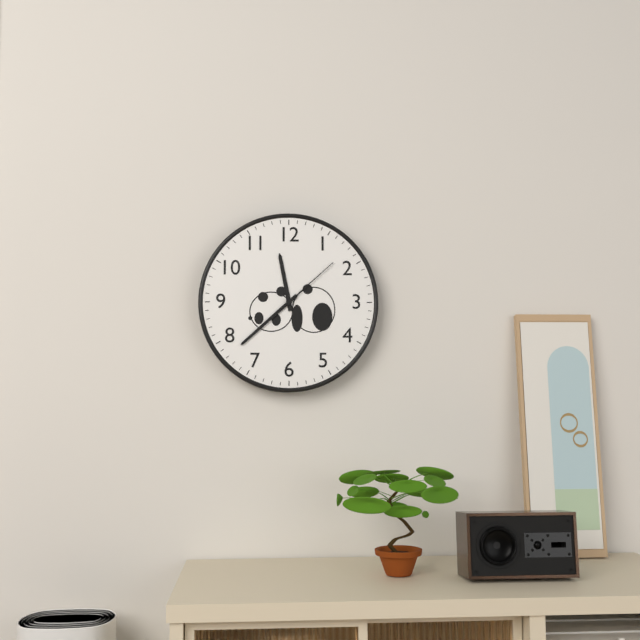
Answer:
11 h 38 min 08 s
